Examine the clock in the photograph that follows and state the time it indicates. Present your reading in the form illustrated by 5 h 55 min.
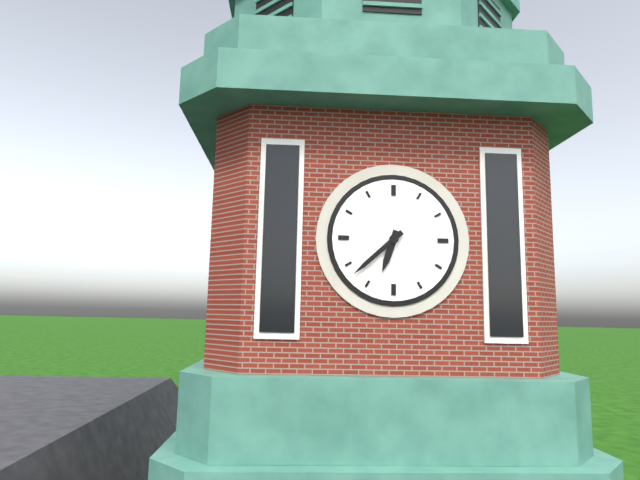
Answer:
6 h 38 min
